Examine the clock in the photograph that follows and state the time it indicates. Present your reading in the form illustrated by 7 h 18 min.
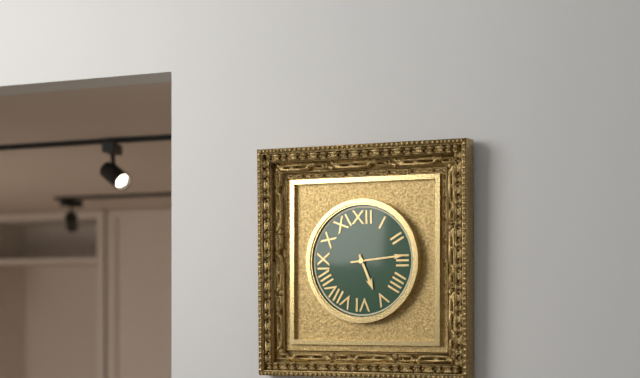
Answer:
5 h 14 min
